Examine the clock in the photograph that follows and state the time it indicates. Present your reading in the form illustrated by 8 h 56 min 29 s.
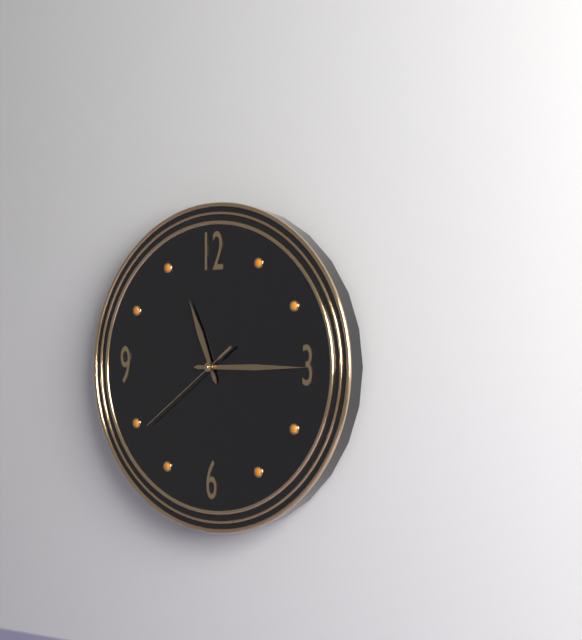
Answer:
11 h 15 min 39 s
